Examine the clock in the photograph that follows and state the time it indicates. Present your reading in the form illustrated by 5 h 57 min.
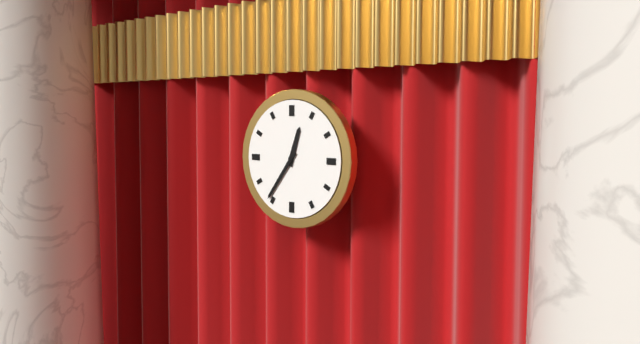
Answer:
12 h 36 min
